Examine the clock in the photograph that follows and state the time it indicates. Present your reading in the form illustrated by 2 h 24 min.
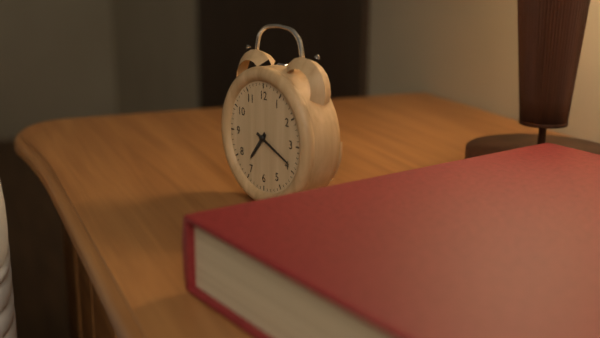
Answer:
7 h 19 min
